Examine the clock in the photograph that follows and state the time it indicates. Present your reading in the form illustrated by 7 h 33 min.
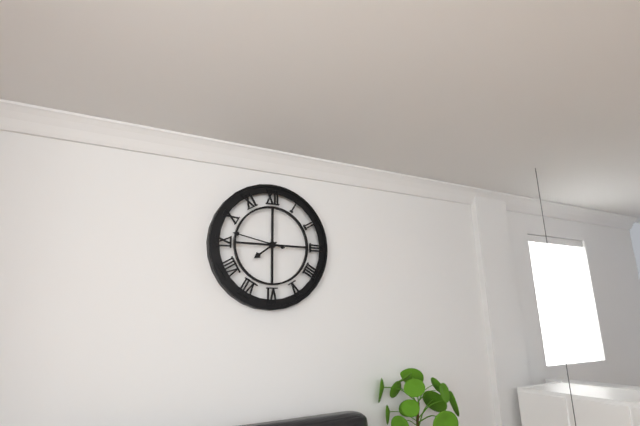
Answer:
7 h 47 min
